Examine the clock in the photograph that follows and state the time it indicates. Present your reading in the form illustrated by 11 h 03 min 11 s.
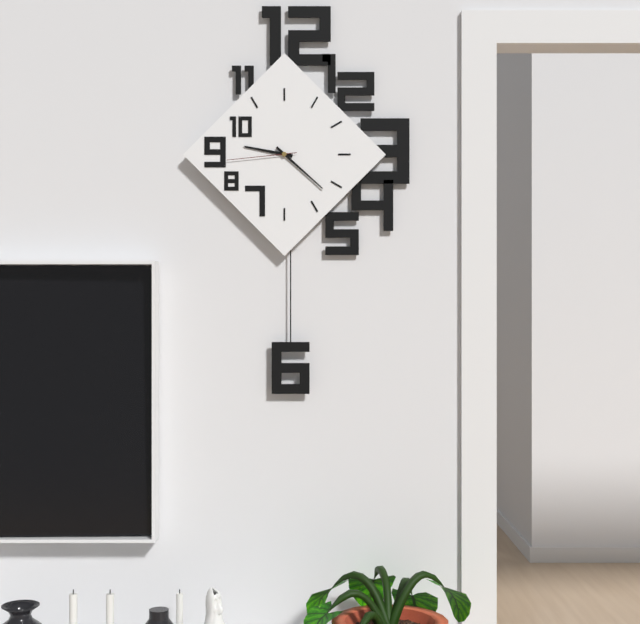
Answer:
9 h 22 min 44 s
